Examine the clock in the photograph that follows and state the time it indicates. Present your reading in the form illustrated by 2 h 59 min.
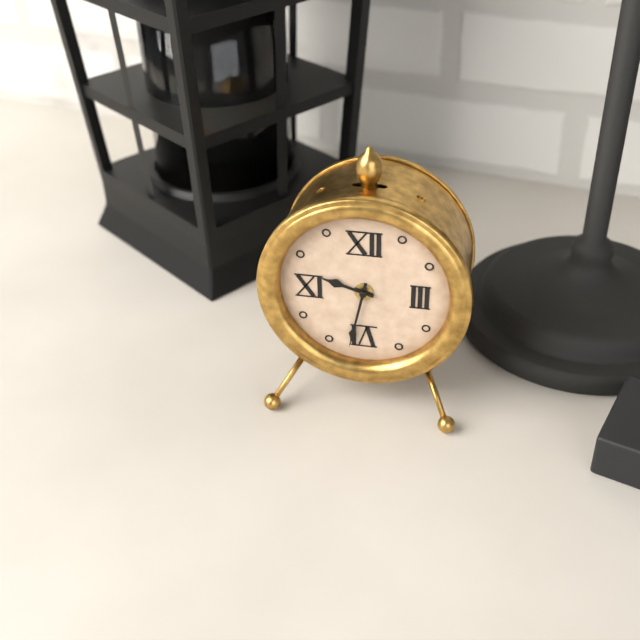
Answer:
9 h 32 min
